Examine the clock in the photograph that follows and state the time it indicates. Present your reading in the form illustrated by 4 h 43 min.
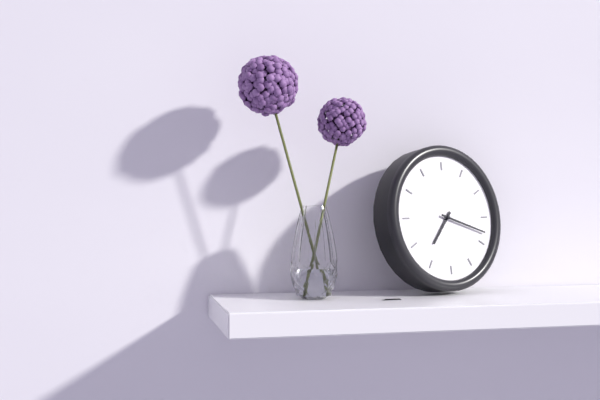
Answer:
7 h 18 min
